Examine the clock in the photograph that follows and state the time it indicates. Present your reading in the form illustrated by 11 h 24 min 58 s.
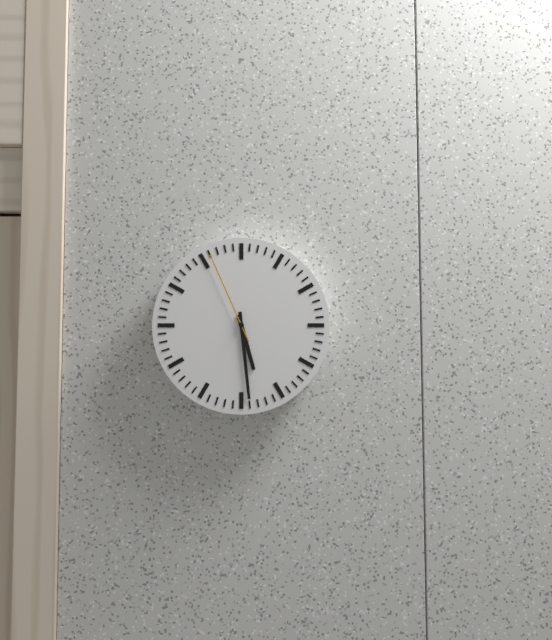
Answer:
5 h 29 min 56 s
